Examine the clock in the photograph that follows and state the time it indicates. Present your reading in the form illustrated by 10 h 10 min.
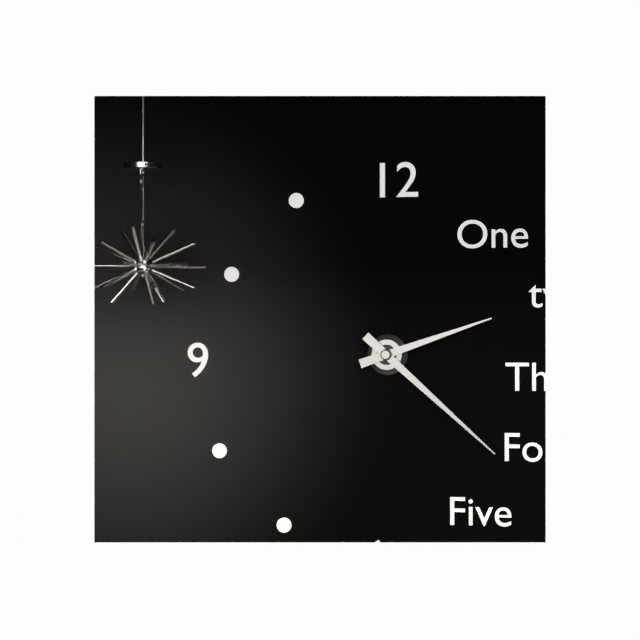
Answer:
2 h 22 min
